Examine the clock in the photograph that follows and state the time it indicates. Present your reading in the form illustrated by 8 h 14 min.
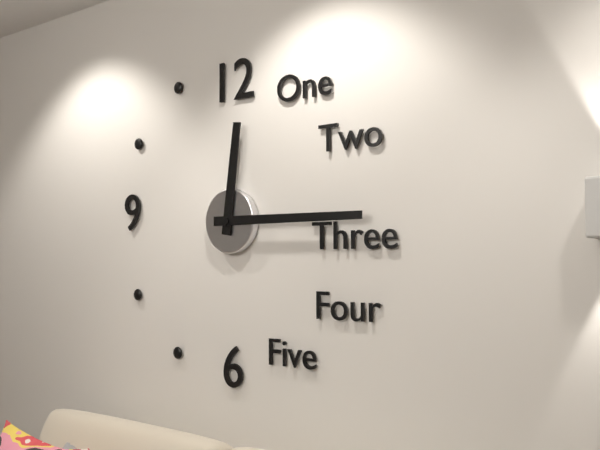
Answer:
12 h 15 min
